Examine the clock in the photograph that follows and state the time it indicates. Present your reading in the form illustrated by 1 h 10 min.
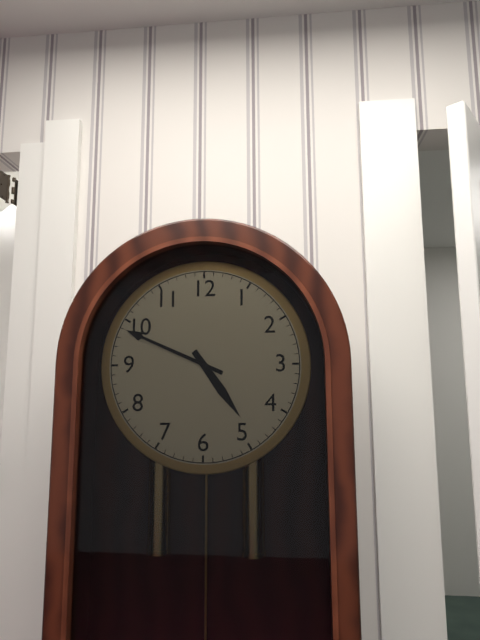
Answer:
4 h 49 min
